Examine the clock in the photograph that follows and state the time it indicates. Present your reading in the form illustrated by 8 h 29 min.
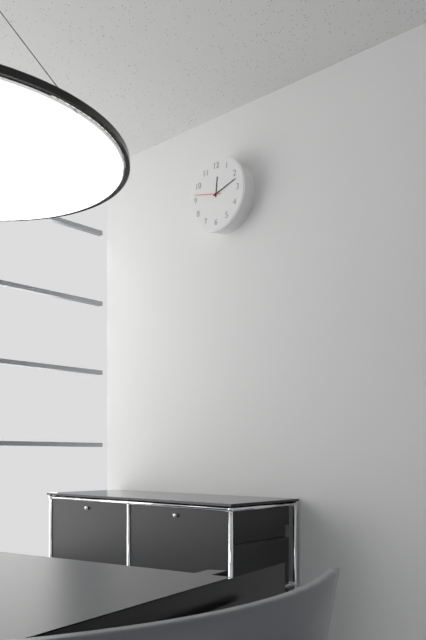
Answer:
12 h 12 min
